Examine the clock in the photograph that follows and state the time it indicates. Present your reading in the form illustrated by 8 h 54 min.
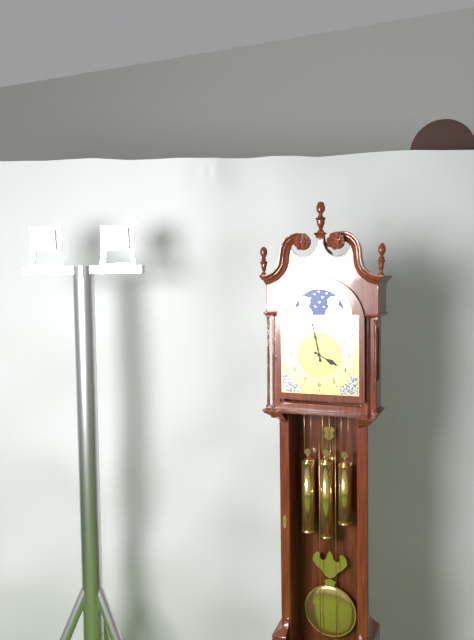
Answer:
3 h 58 min
